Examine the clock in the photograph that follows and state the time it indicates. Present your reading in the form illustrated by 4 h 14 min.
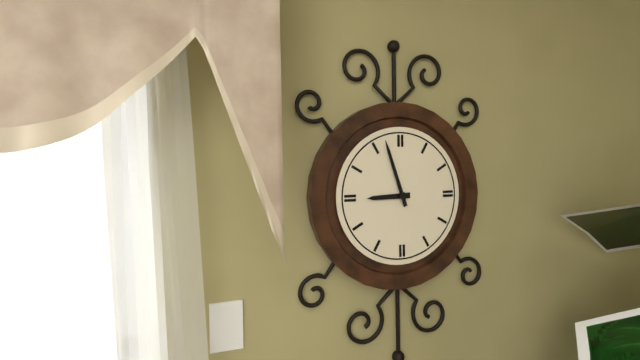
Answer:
8 h 57 min
